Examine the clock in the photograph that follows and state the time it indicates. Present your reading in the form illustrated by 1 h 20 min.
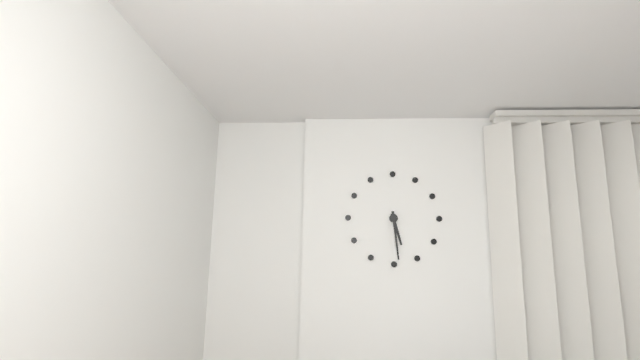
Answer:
5 h 29 min
